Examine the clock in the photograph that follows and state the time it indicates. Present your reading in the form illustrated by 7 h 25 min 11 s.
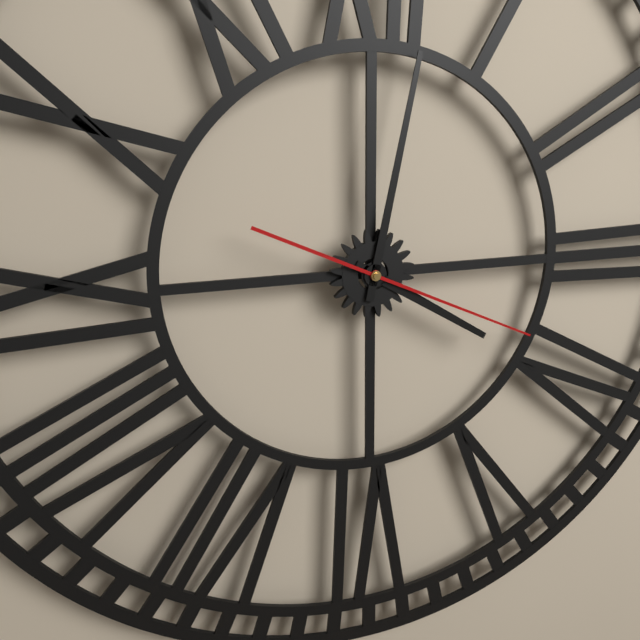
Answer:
4 h 02 min 19 s
